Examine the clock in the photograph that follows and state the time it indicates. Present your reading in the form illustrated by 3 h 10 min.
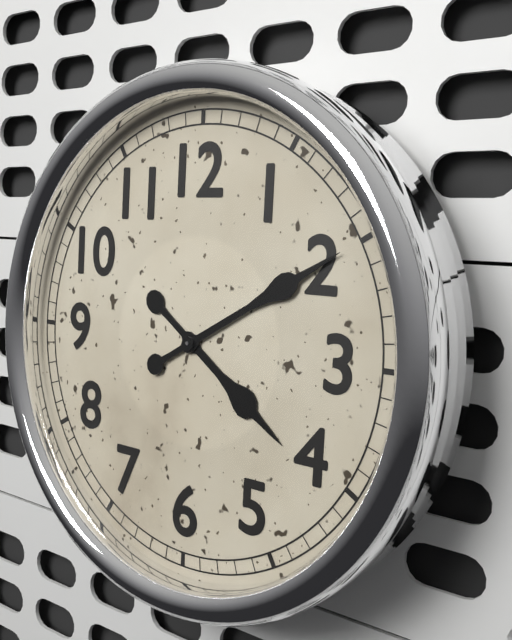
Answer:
4 h 10 min
